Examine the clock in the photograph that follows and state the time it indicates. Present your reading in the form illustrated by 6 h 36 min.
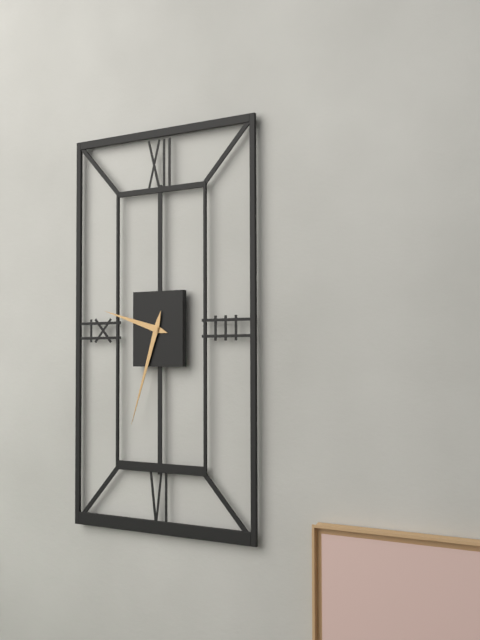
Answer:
9 h 33 min
